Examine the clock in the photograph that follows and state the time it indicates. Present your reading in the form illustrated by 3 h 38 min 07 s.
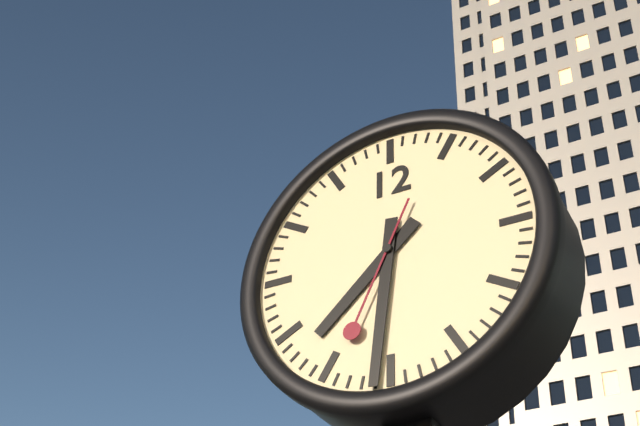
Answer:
7 h 31 min 34 s
